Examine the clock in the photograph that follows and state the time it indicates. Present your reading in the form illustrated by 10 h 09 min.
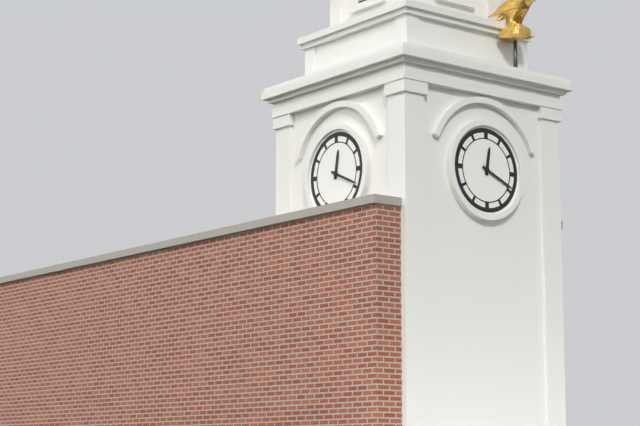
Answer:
12 h 19 min
